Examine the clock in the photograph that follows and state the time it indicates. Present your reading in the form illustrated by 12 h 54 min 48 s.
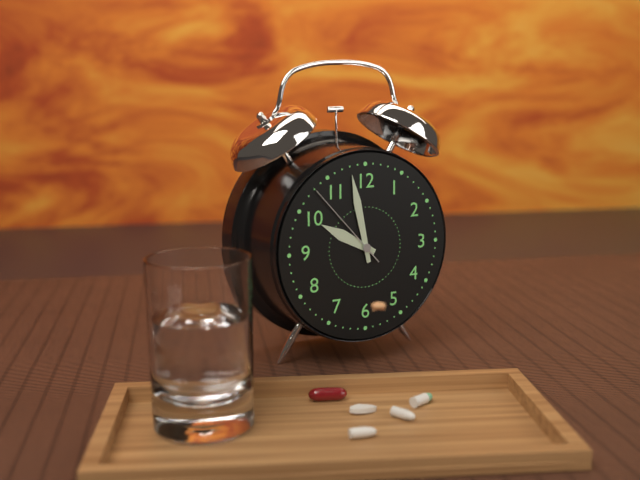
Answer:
9 h 58 min 53 s
